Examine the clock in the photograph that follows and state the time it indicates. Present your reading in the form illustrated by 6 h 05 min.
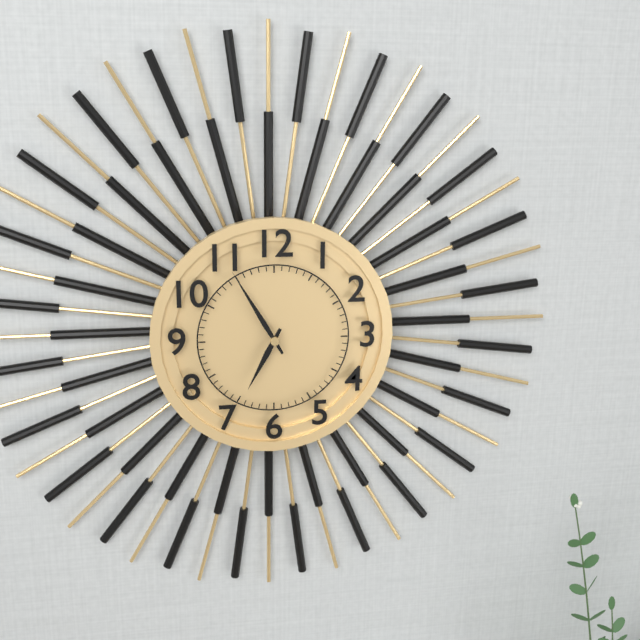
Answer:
6 h 55 min
